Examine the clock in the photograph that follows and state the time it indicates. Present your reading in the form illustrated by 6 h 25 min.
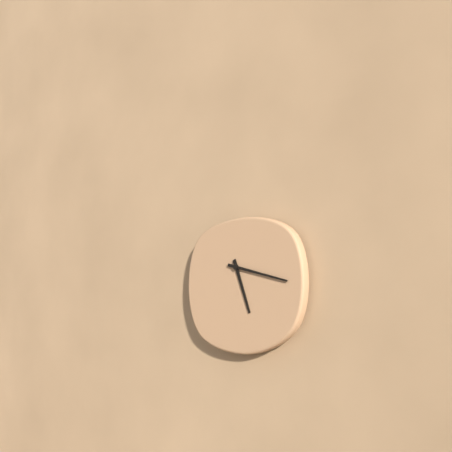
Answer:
5 h 17 min
